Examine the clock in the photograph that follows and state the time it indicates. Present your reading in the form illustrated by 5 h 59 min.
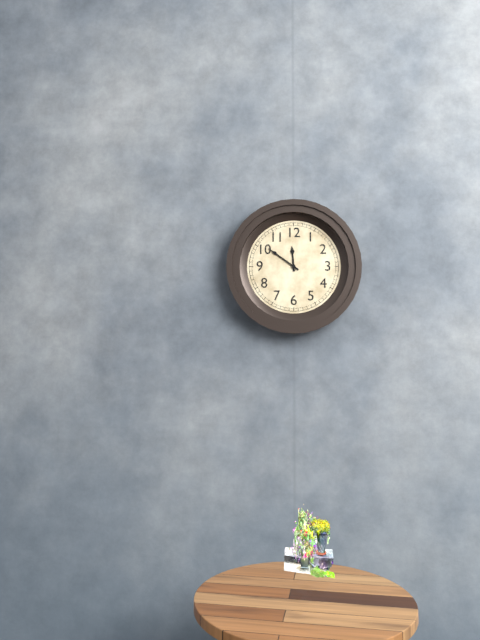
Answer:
11 h 51 min
